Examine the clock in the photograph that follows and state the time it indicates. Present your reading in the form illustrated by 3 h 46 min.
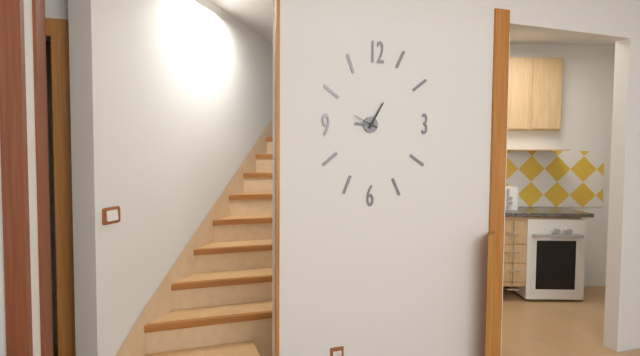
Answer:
9 h 05 min
